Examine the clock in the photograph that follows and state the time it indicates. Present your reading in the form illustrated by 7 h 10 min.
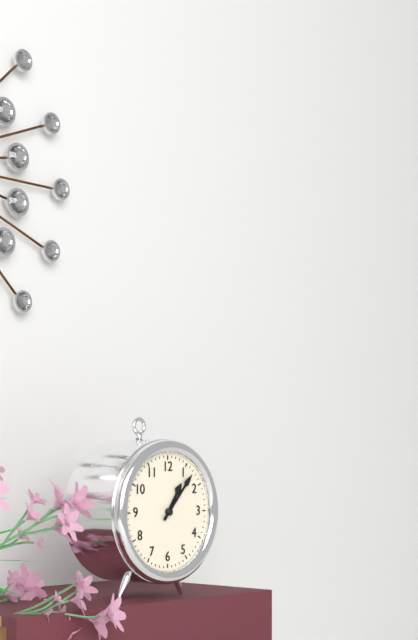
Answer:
1 h 07 min
